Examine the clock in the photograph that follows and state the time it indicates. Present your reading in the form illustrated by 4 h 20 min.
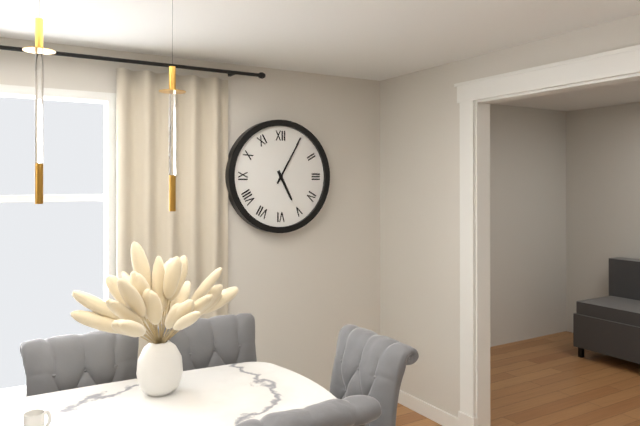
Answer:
5 h 05 min
